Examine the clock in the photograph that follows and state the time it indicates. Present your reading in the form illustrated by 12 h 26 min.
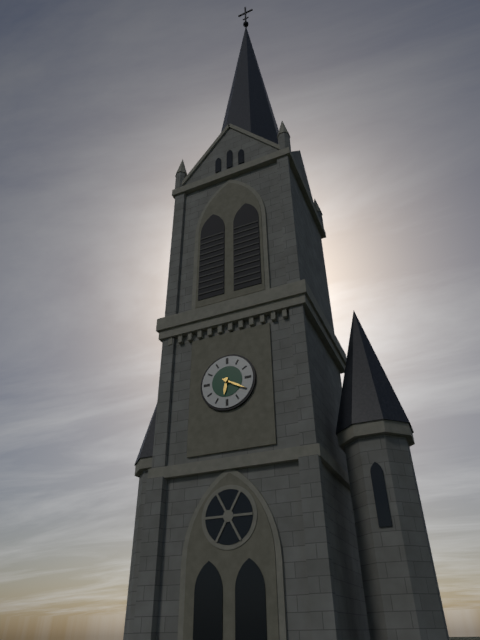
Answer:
6 h 20 min
